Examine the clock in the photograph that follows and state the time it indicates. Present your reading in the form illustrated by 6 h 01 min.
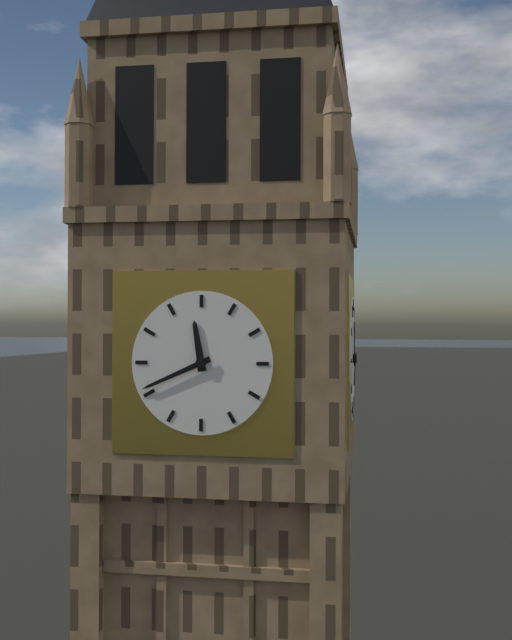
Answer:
11 h 41 min
